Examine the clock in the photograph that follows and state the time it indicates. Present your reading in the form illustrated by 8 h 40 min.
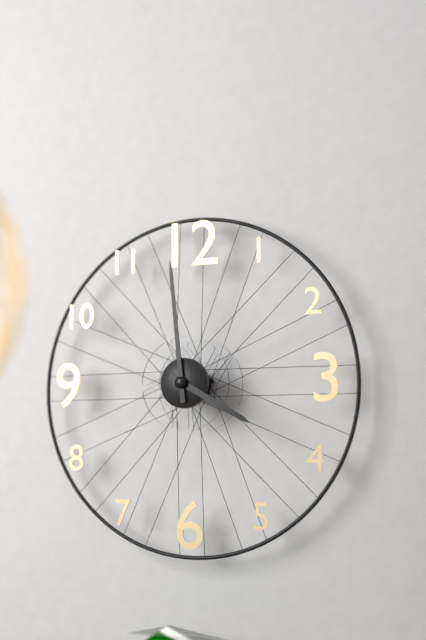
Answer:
3 h 59 min
